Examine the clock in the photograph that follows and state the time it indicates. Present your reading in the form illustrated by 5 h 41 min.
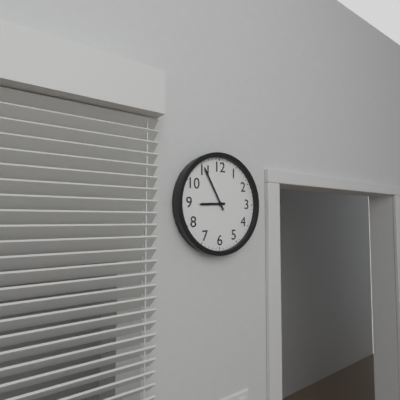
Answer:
8 h 55 min
